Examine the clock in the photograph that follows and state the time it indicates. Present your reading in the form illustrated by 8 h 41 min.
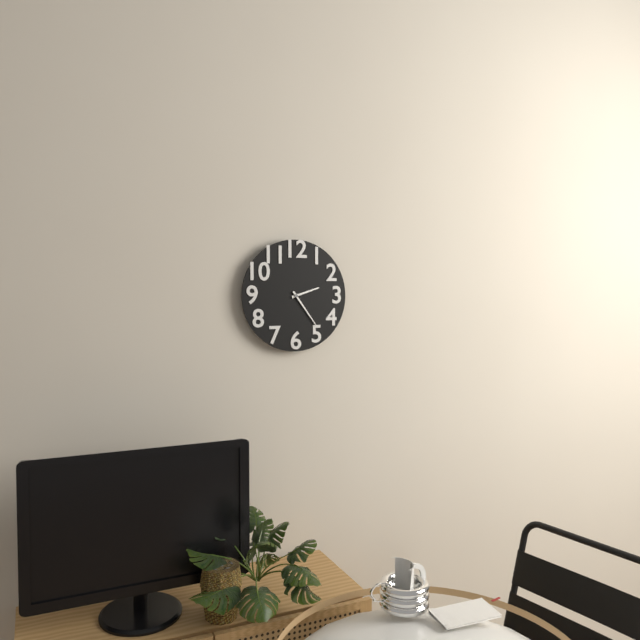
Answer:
2 h 24 min
